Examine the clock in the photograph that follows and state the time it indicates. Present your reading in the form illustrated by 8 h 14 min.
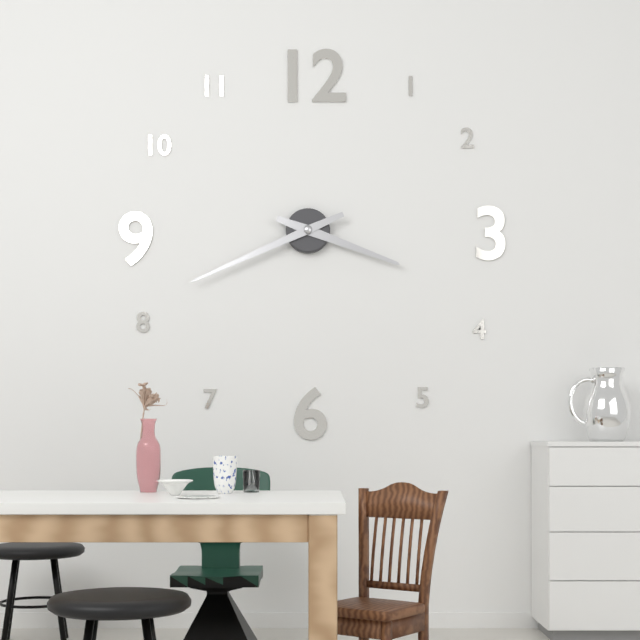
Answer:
3 h 41 min
